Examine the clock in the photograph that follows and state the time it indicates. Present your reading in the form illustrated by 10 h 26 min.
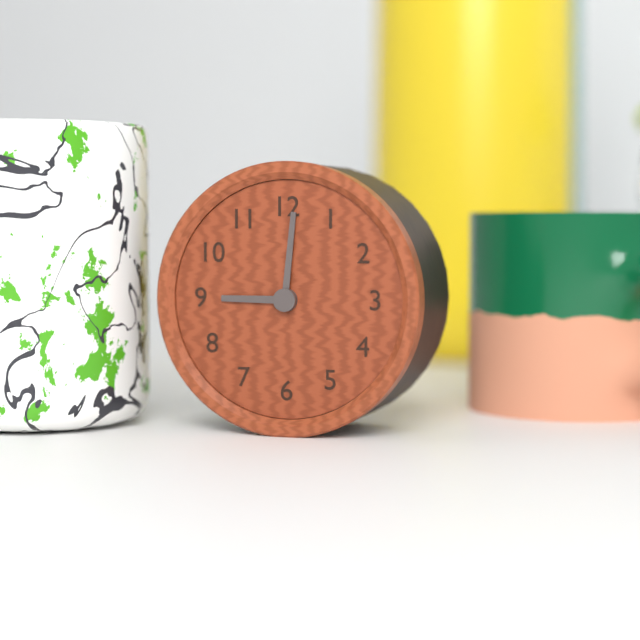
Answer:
9 h 01 min
